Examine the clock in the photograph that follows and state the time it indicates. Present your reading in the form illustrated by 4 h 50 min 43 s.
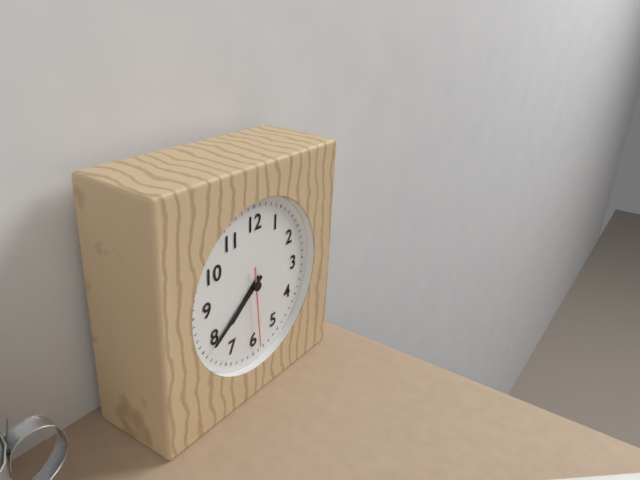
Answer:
7 h 39 min 29 s
